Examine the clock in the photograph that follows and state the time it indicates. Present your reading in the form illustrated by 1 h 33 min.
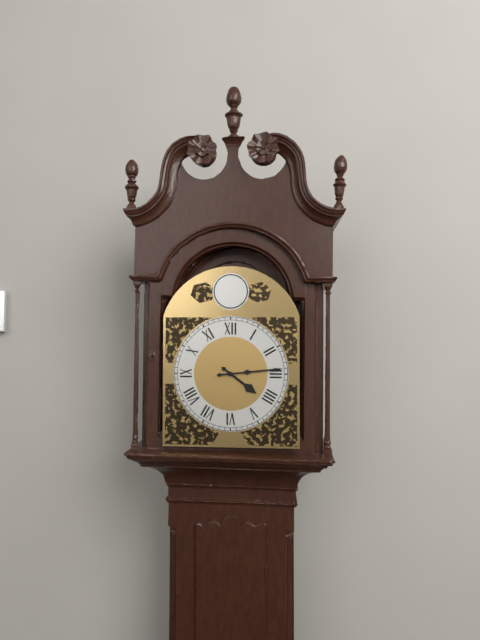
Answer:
4 h 14 min
